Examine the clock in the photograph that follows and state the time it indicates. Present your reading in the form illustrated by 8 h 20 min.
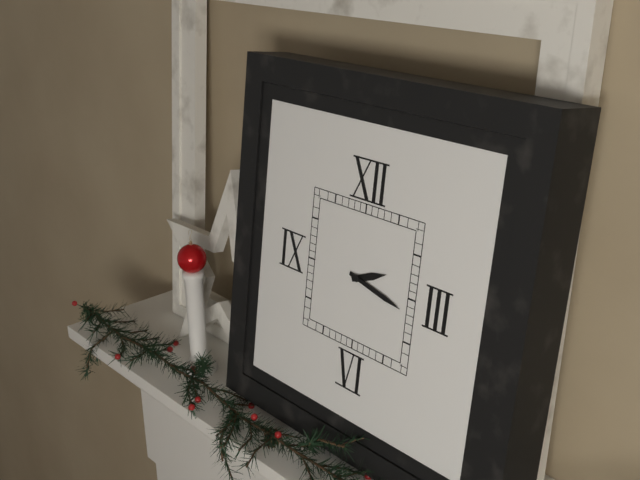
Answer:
2 h 17 min
